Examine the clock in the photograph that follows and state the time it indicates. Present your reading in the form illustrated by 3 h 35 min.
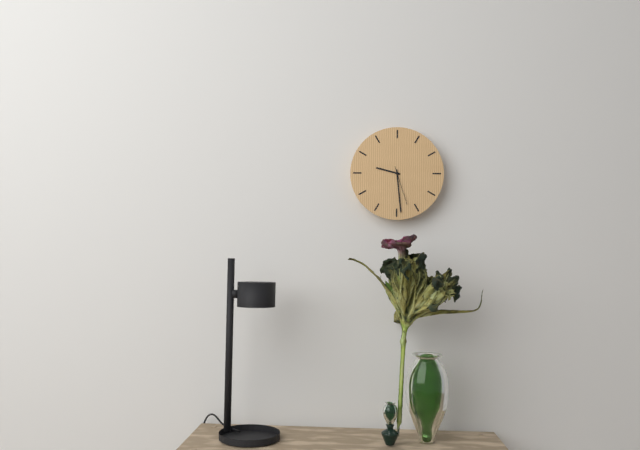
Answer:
9 h 29 min
